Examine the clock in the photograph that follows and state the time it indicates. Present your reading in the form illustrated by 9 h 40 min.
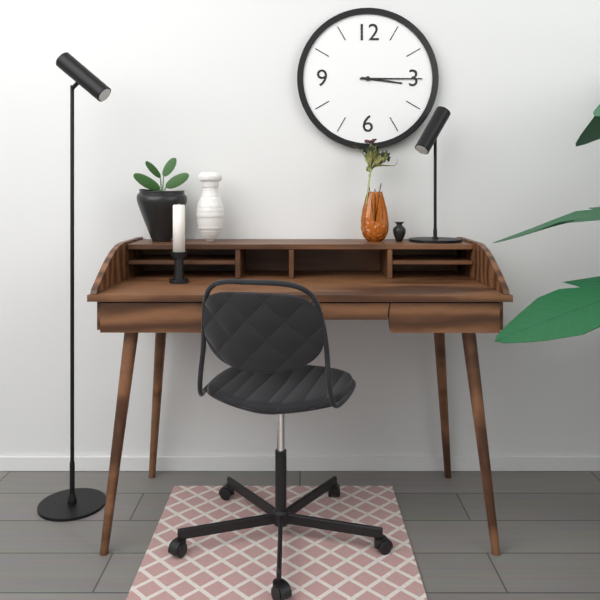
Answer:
3 h 15 min
